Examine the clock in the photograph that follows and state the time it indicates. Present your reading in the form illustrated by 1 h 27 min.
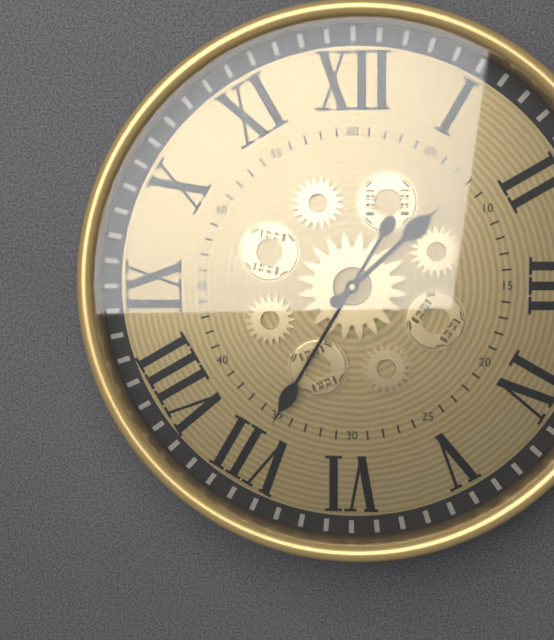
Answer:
1 h 35 min
